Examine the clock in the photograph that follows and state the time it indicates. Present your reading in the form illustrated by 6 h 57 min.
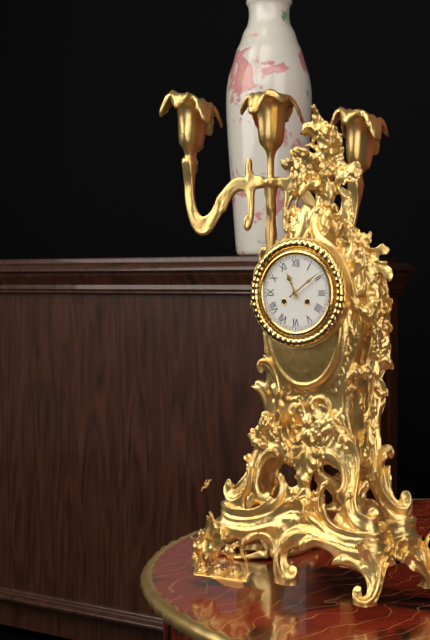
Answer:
11 h 09 min
